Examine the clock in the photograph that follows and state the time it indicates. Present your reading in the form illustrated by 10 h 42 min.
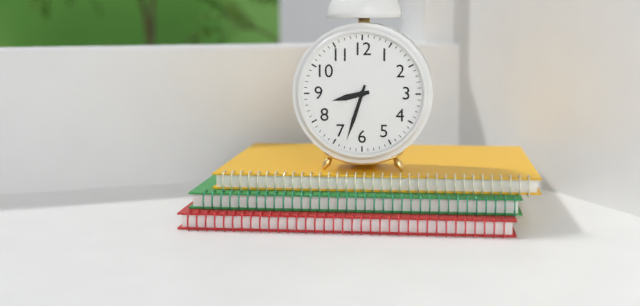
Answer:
8 h 33 min
